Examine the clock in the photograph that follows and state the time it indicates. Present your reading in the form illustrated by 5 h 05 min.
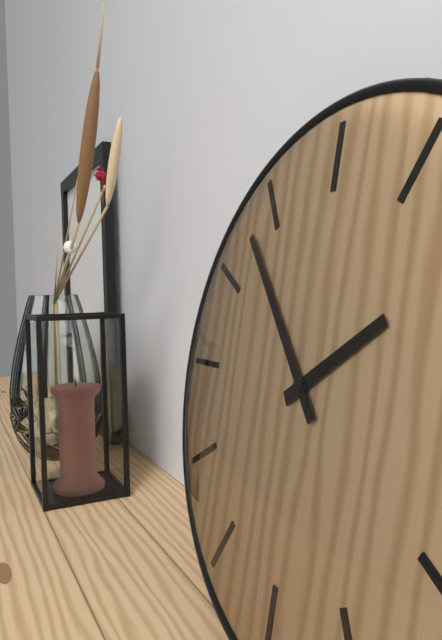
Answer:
1 h 53 min
